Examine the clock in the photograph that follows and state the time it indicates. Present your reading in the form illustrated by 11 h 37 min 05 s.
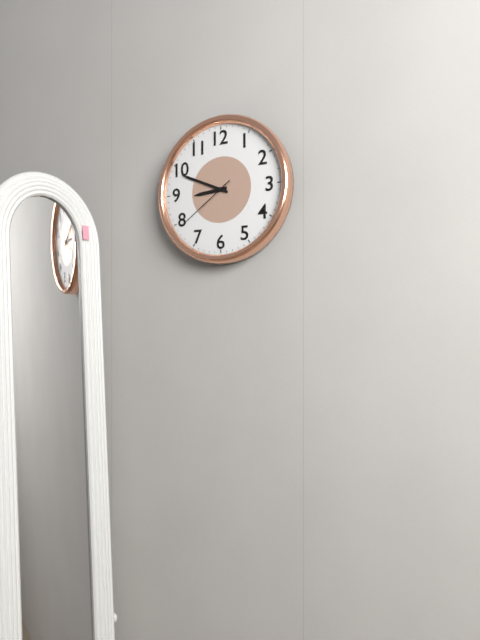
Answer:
8 h 49 min 39 s
